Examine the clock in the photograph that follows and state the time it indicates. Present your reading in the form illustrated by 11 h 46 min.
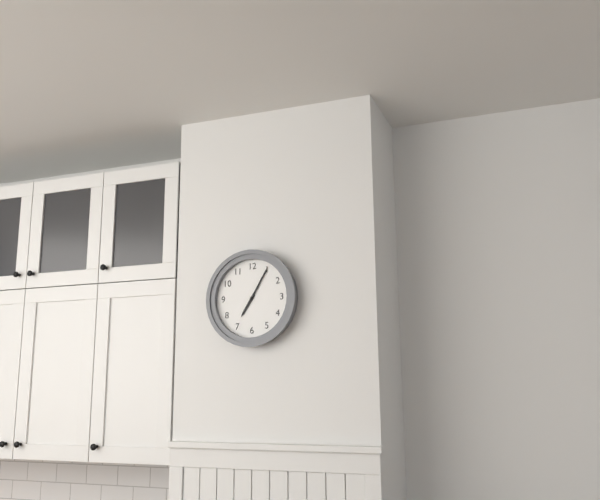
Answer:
7 h 05 min
